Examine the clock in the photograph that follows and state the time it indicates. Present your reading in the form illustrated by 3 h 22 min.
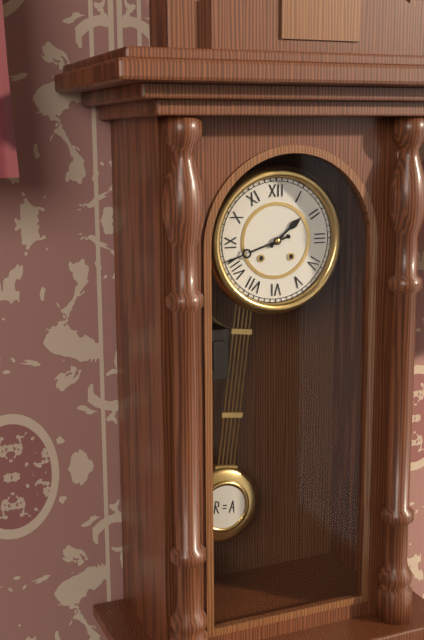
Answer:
1 h 42 min
